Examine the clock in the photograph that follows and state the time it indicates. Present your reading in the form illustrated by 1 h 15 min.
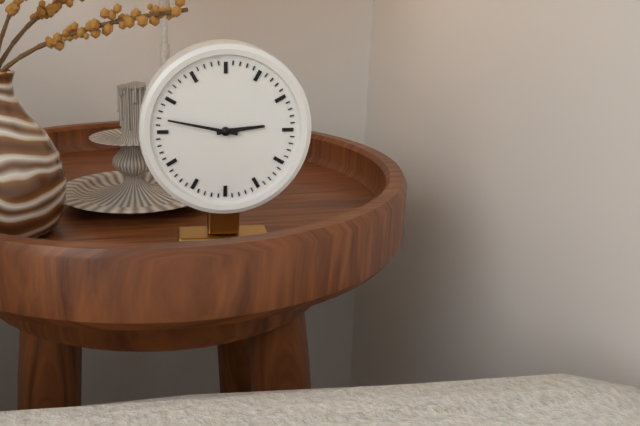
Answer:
2 h 47 min
